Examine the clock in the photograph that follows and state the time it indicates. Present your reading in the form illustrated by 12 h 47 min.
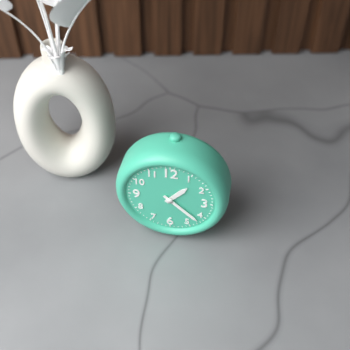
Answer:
1 h 22 min
